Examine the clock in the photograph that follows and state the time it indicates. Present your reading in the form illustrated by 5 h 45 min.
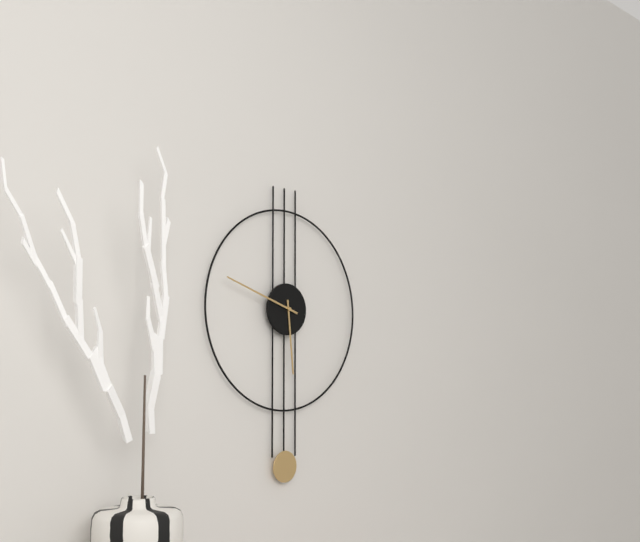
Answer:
5 h 48 min
